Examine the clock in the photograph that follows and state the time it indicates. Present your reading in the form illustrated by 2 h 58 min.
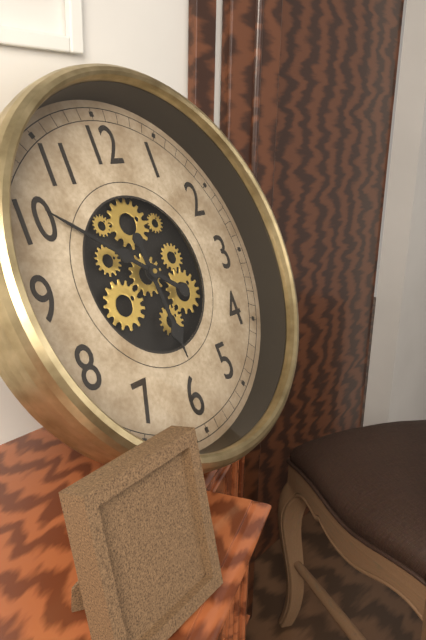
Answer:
5 h 51 min
